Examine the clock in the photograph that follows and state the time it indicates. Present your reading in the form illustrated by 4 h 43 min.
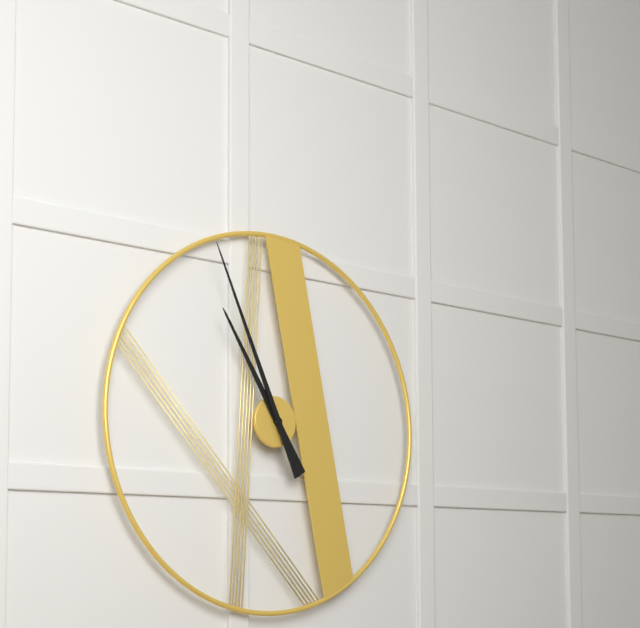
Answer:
10 h 56 min
